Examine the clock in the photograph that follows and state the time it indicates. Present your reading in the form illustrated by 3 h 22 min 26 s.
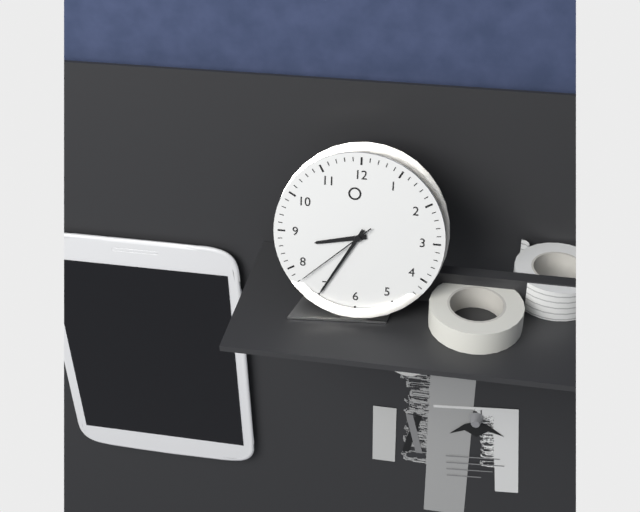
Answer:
8 h 35 min 38 s
